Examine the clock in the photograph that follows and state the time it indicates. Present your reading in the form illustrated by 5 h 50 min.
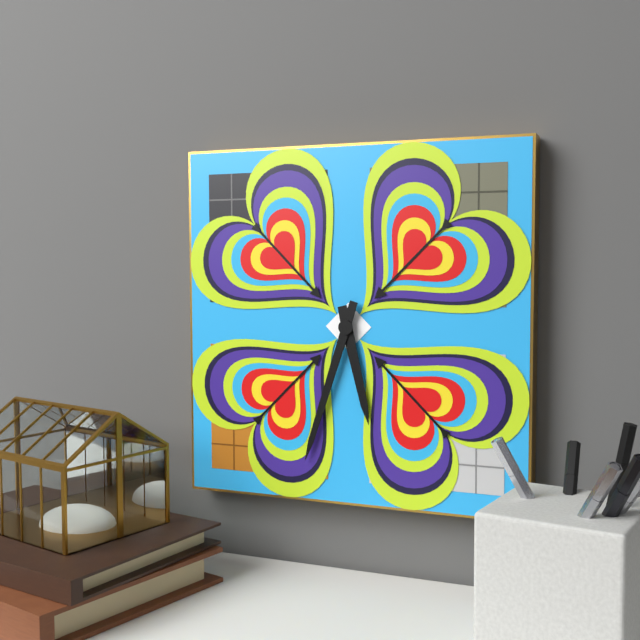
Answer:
5 h 33 min
